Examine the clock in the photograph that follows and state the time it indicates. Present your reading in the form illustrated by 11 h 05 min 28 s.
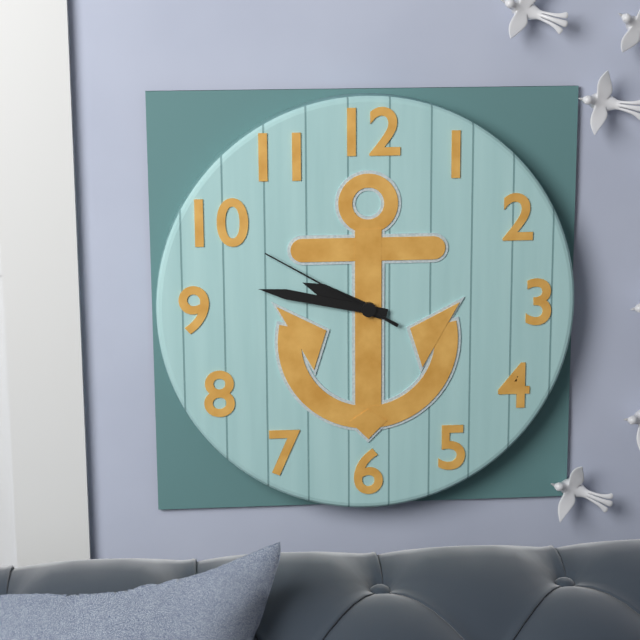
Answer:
9 h 47 min 50 s
